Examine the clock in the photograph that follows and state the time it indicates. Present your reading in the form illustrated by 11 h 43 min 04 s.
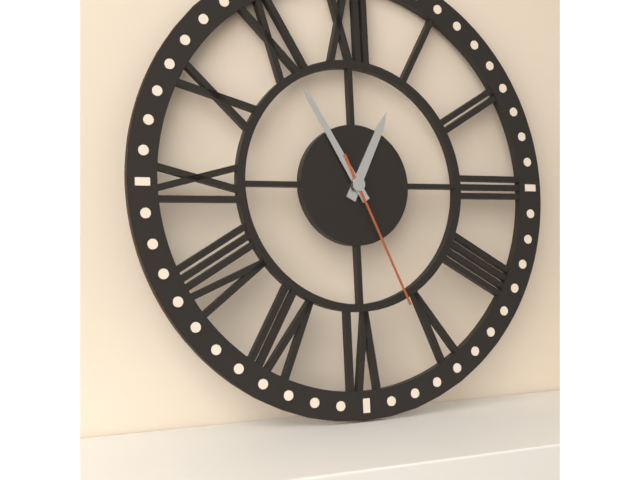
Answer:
12 h 55 min 26 s
